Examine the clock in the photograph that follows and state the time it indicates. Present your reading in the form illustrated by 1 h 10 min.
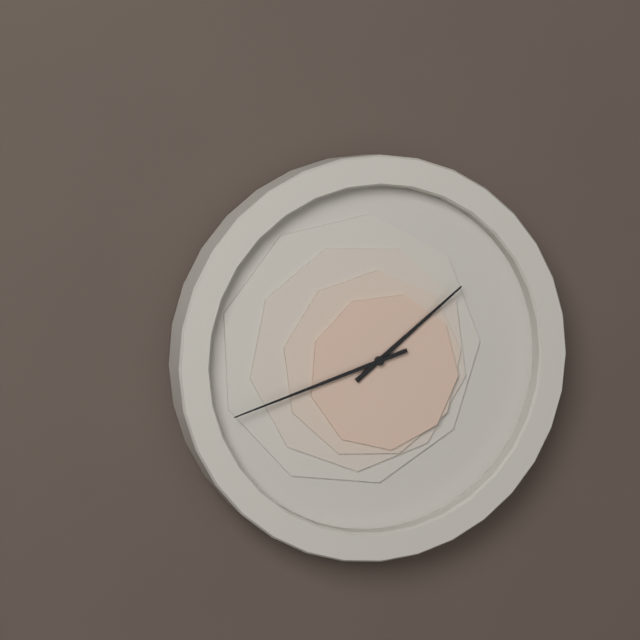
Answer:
1 h 42 min
